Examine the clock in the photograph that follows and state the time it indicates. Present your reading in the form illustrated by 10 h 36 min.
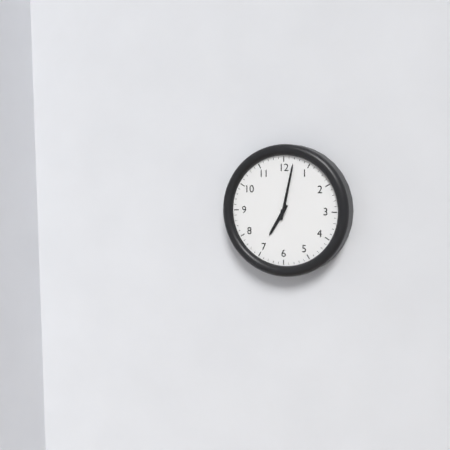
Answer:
7 h 02 min
